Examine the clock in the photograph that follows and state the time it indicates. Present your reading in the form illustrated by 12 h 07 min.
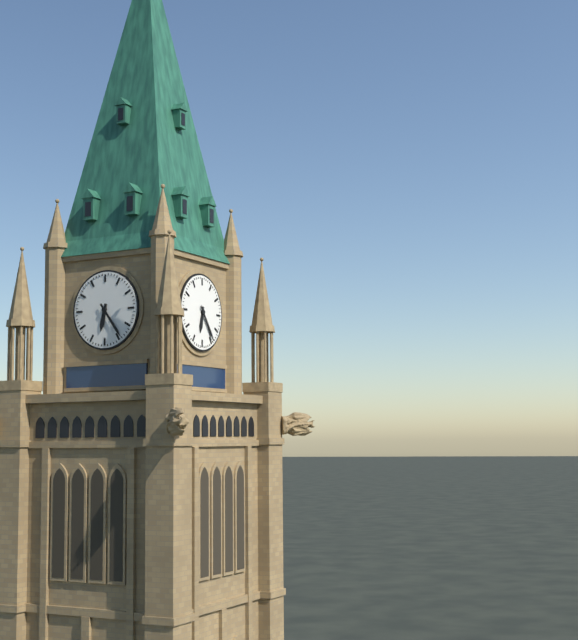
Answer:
6 h 24 min
